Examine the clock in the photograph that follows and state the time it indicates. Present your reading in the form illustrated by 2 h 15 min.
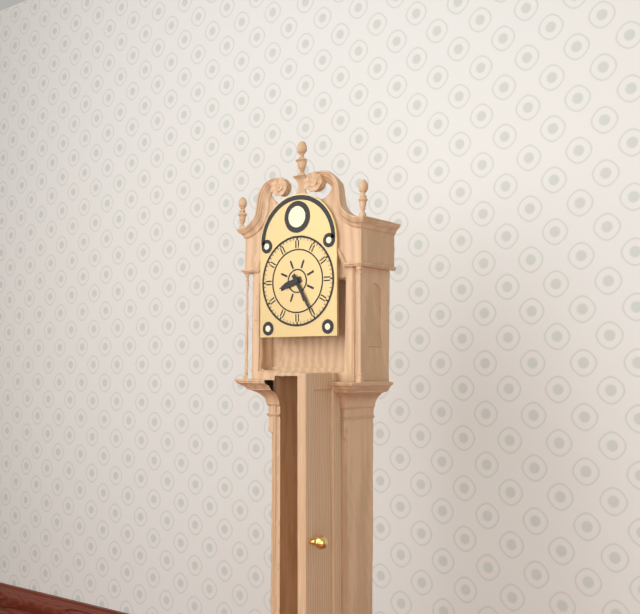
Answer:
8 h 25 min
